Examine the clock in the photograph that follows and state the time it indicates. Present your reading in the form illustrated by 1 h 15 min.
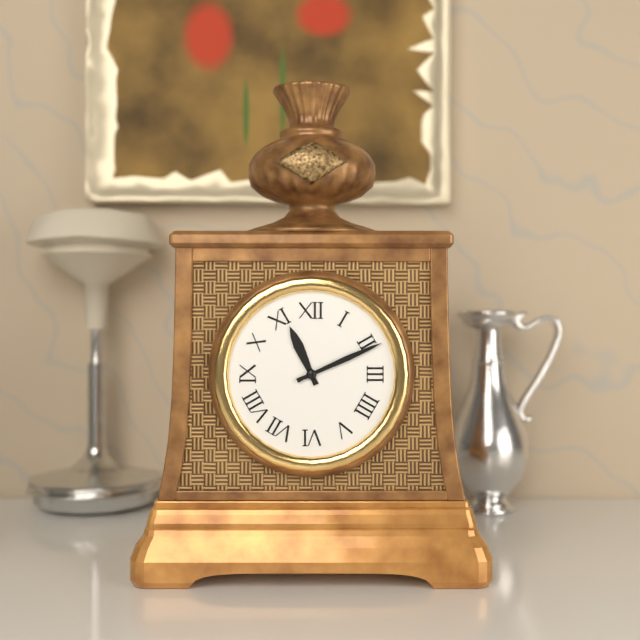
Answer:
11 h 11 min
